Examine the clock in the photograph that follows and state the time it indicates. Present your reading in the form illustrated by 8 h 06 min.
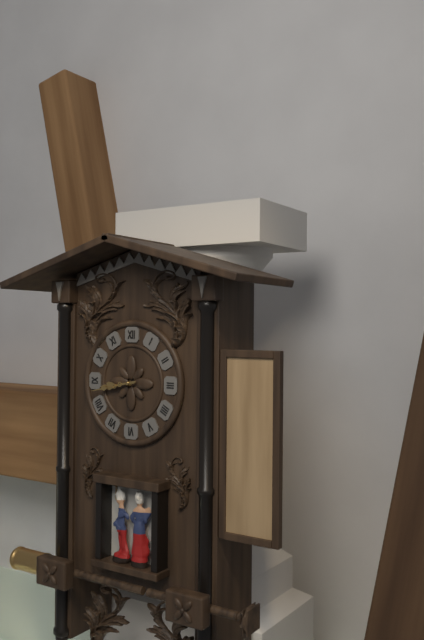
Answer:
8 h 43 min
